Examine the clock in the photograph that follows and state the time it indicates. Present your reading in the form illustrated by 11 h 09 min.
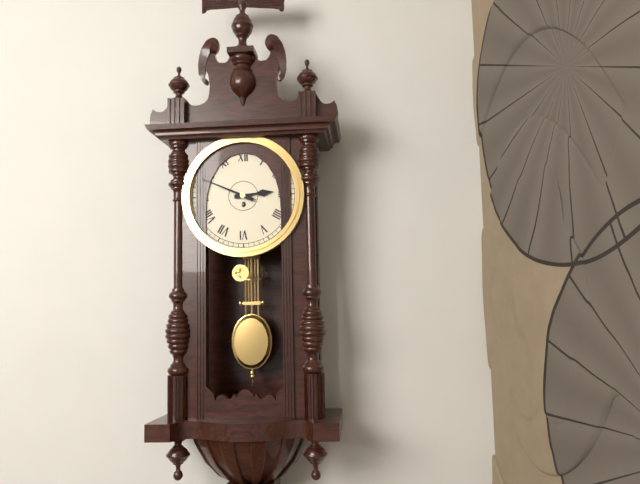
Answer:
2 h 49 min
